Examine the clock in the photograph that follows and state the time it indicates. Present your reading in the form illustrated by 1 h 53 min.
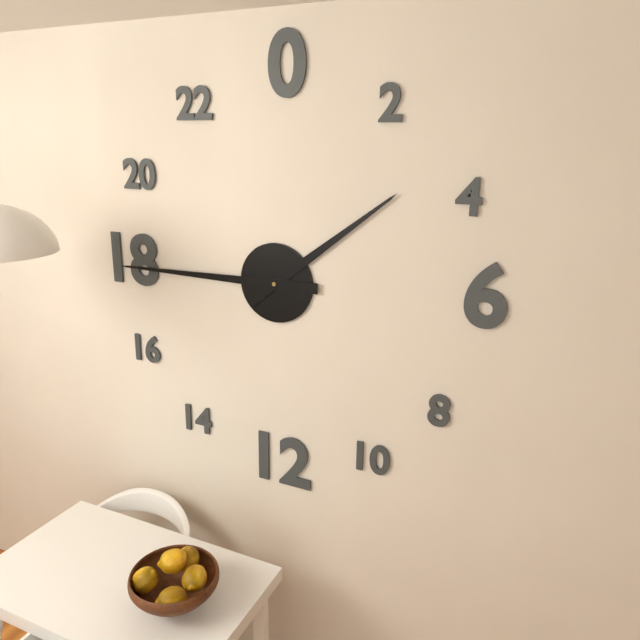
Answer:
1 h 45 min
